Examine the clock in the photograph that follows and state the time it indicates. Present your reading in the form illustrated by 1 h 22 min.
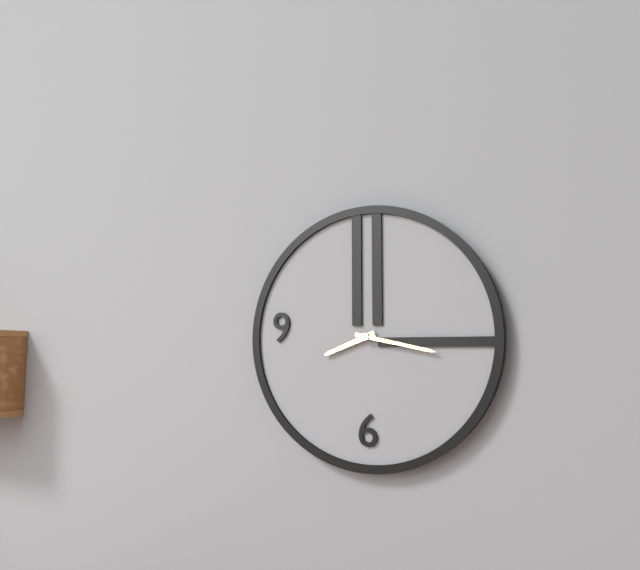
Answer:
8 h 17 min
